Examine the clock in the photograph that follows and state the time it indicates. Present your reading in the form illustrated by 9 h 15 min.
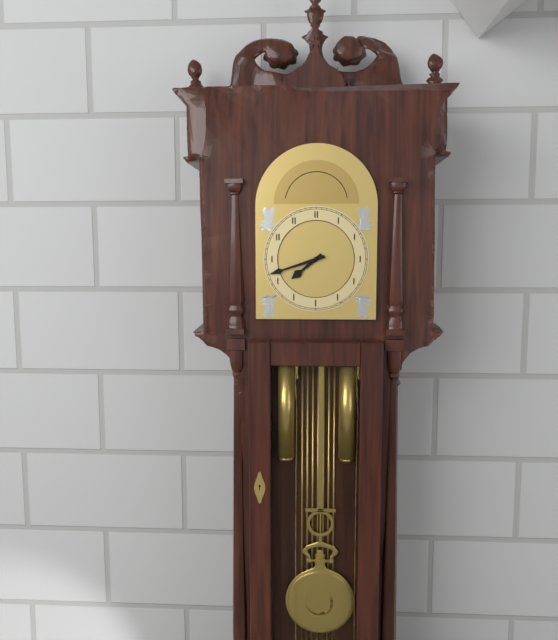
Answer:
7 h 42 min
